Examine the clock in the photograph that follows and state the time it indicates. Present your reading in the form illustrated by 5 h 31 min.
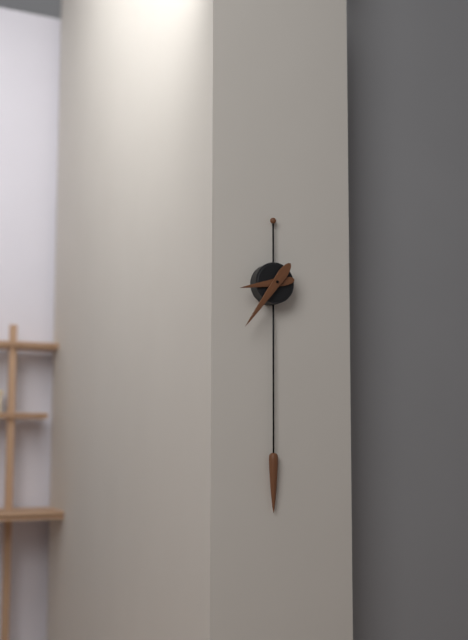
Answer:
8 h 36 min
